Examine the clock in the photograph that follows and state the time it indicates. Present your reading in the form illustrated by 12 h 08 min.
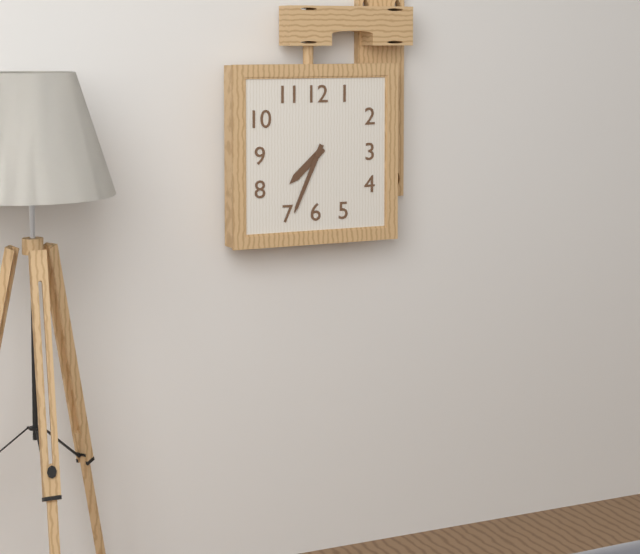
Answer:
7 h 34 min
